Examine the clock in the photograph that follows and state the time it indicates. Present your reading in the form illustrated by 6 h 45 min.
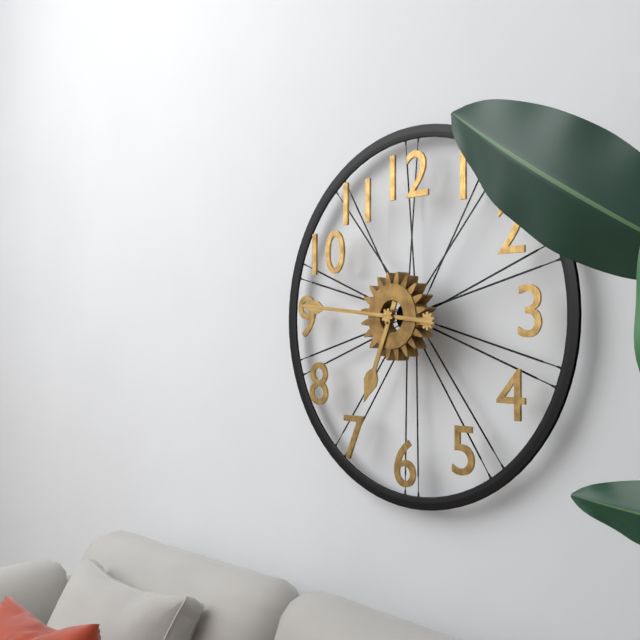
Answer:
6 h 46 min
